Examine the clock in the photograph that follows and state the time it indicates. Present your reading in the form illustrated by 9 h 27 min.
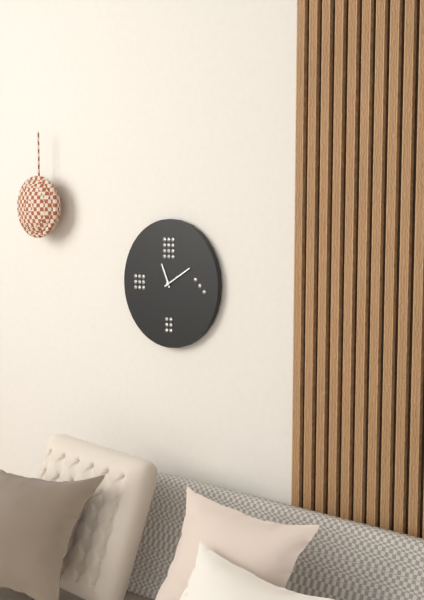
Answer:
11 h 10 min
